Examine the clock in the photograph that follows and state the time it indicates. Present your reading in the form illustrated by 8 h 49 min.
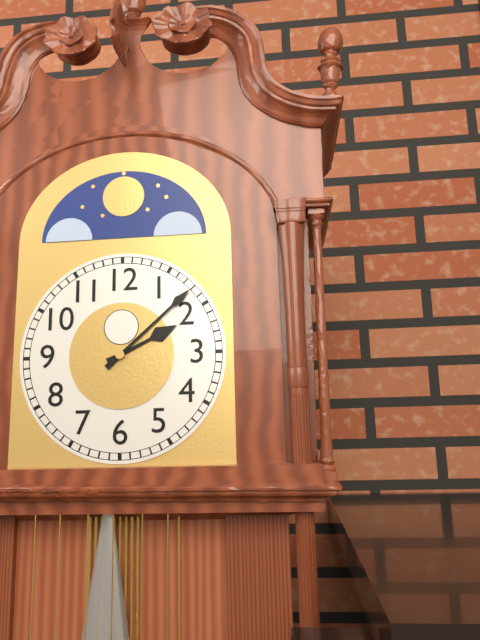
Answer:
2 h 08 min
